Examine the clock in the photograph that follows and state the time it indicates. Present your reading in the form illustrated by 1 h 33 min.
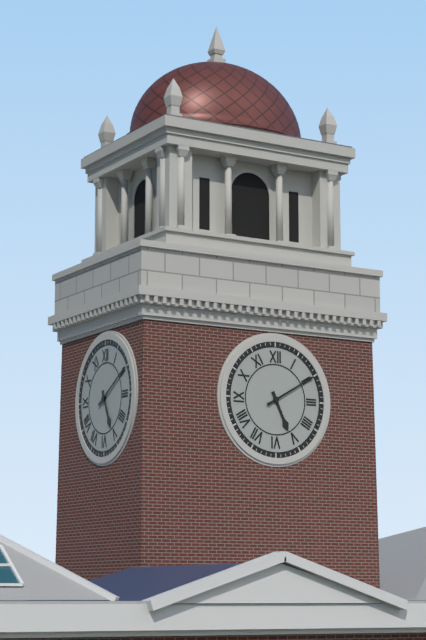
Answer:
5 h 10 min
